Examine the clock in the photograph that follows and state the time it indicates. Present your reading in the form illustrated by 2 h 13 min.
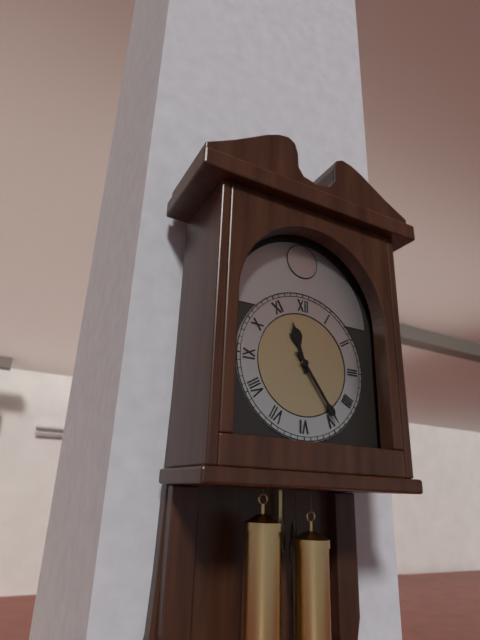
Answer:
11 h 24 min
